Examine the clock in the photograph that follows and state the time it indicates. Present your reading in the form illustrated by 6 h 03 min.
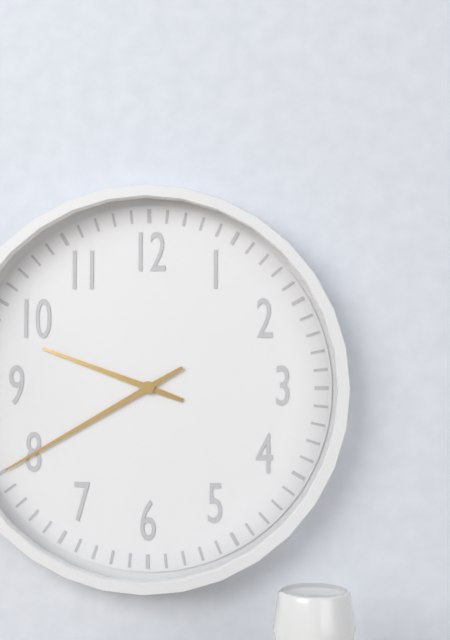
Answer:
9 h 40 min
